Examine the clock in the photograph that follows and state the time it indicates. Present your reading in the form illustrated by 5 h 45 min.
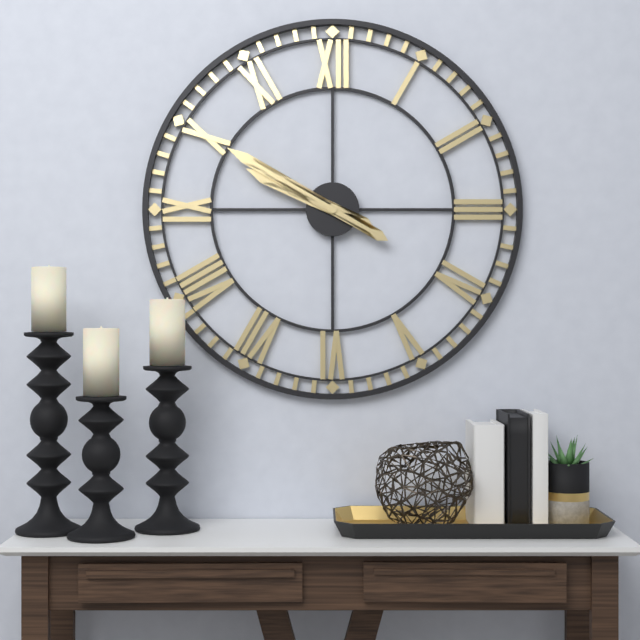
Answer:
9 h 50 min
